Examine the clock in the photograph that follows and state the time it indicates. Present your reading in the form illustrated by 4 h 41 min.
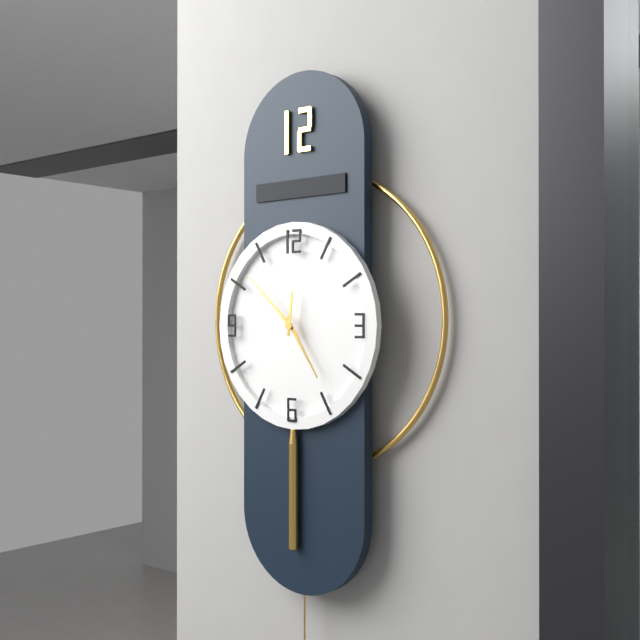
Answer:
4 h 52 min
